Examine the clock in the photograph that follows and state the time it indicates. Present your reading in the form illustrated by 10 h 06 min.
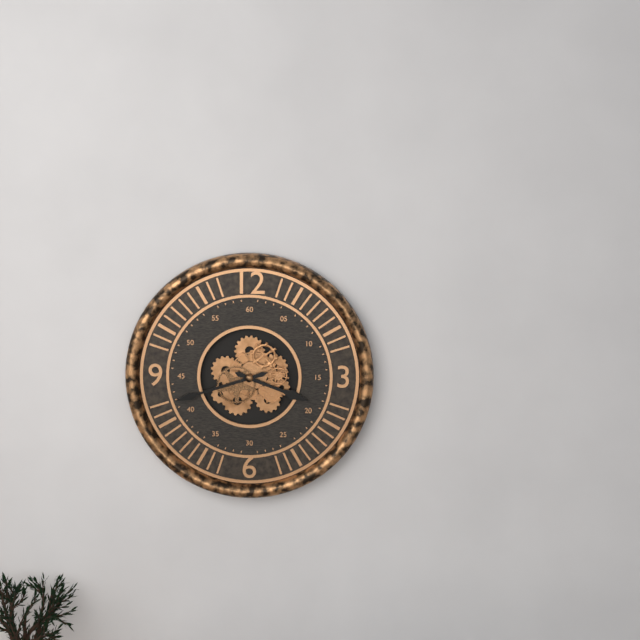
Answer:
3 h 42 min
